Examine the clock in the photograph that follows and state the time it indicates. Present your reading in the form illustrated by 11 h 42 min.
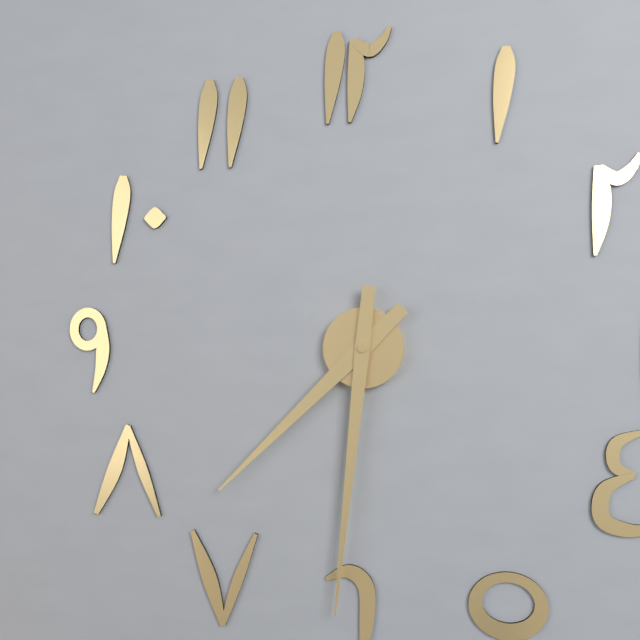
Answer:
7 h 31 min
